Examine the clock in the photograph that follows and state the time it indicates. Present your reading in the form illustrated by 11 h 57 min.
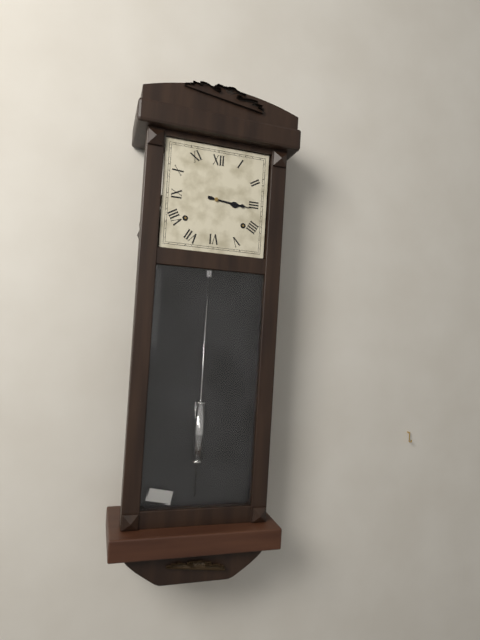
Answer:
3 h 16 min
